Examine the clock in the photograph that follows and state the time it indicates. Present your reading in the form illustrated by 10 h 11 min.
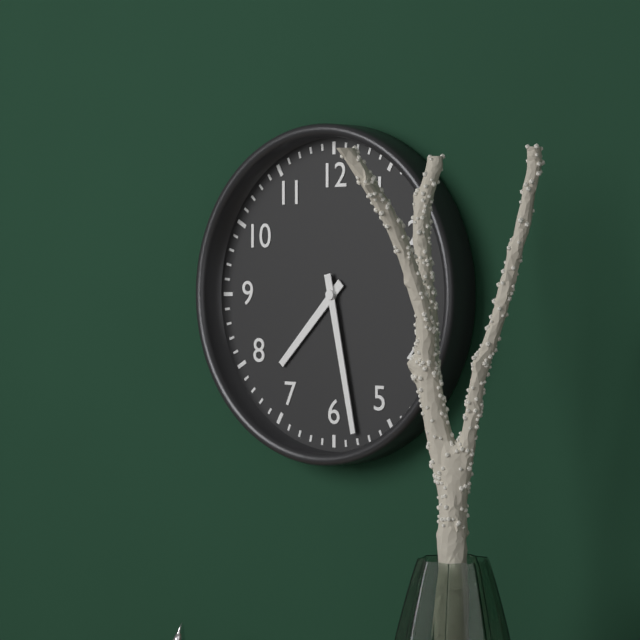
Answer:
7 h 28 min
